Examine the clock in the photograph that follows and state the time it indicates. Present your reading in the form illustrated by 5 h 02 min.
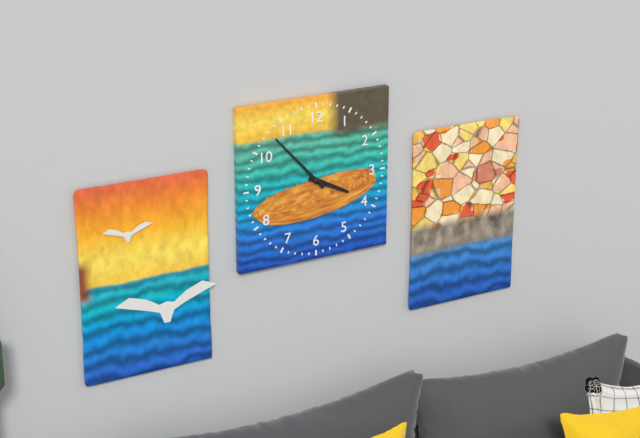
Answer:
3 h 53 min
